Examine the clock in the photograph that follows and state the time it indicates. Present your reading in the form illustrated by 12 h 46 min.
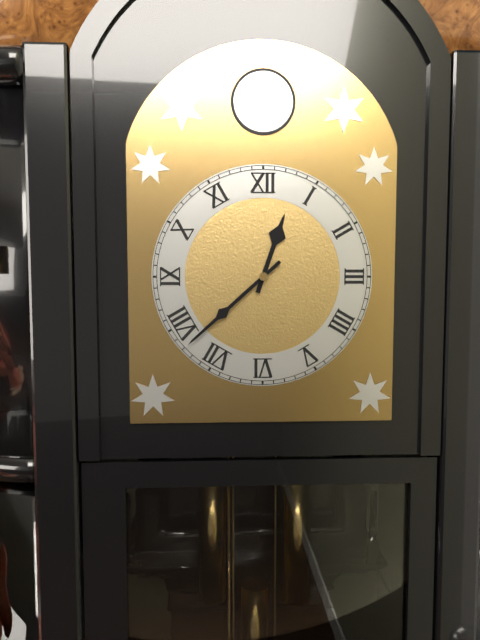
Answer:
12 h 38 min
